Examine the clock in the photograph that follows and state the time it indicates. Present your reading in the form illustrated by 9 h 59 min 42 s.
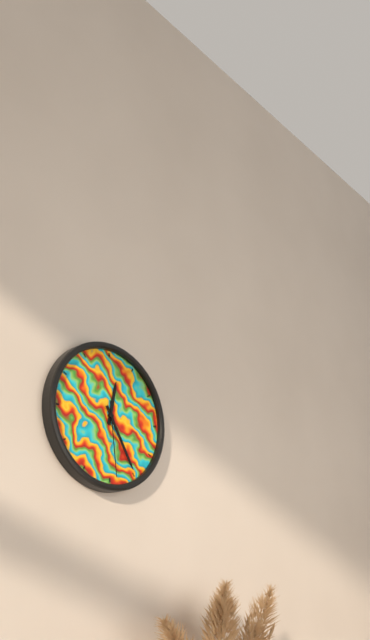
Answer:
12 h 25 min 29 s
